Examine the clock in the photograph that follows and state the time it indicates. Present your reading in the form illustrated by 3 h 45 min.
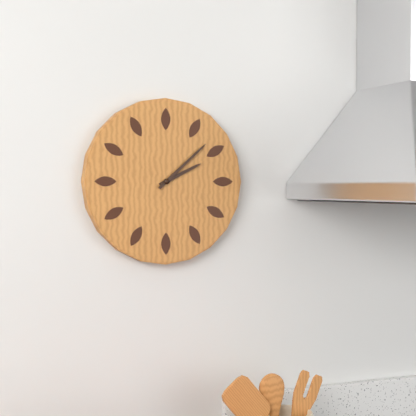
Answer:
2 h 08 min
